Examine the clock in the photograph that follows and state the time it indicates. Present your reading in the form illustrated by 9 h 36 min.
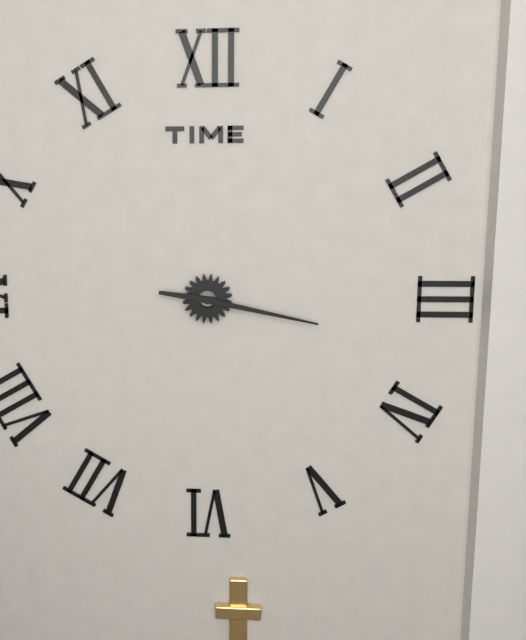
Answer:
9 h 17 min
